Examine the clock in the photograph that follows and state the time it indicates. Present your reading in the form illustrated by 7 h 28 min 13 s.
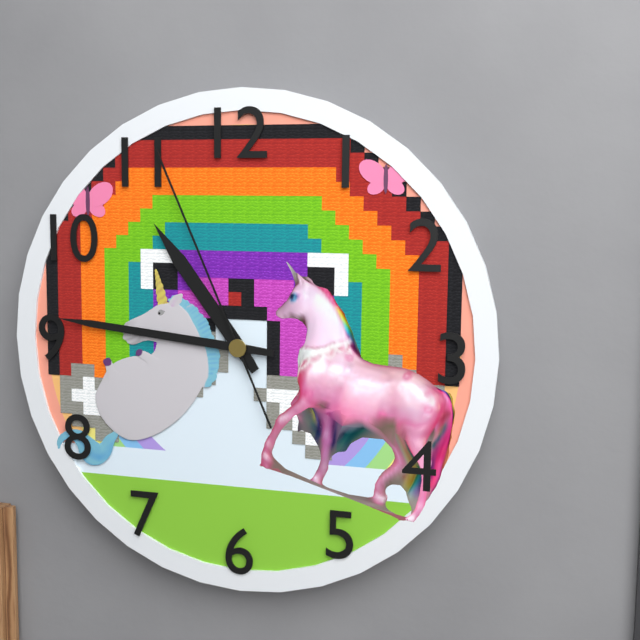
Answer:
10 h 46 min 56 s
